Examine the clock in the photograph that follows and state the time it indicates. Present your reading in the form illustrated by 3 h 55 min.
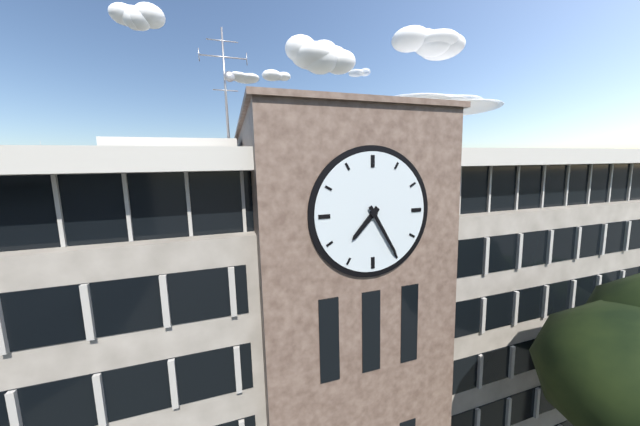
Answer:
7 h 25 min
